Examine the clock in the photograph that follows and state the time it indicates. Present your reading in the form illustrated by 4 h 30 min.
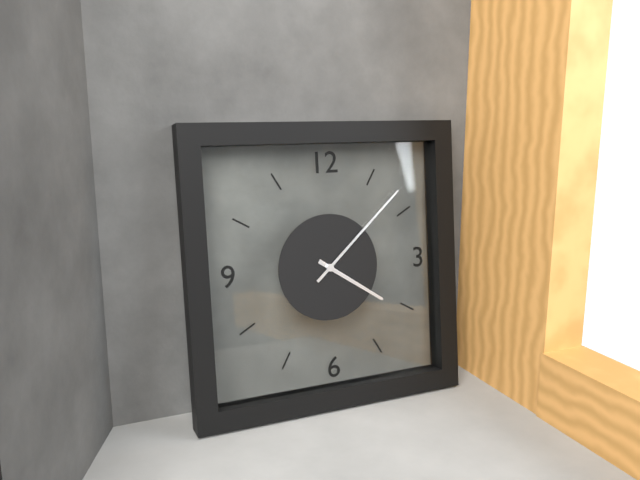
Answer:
4 h 08 min
